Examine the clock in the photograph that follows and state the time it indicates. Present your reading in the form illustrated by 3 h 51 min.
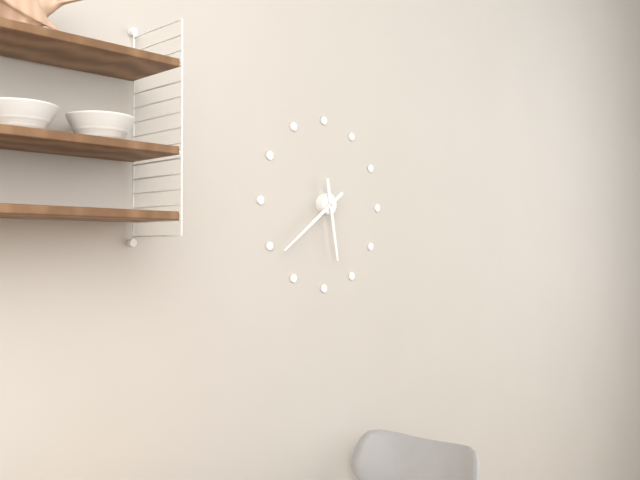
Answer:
5 h 39 min
